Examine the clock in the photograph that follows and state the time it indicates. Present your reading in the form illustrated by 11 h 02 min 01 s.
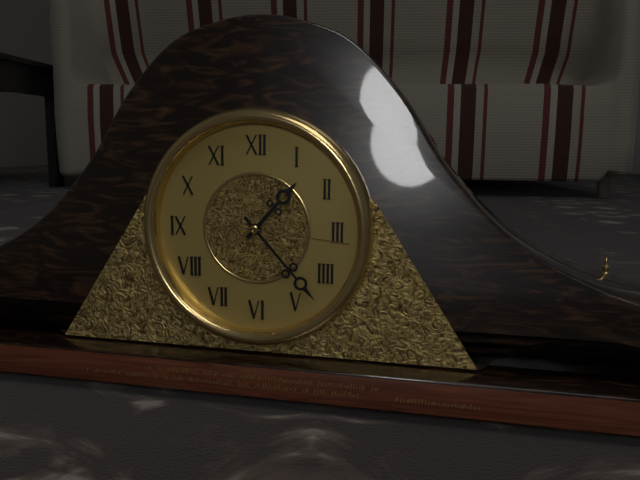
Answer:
1 h 23 min 16 s
